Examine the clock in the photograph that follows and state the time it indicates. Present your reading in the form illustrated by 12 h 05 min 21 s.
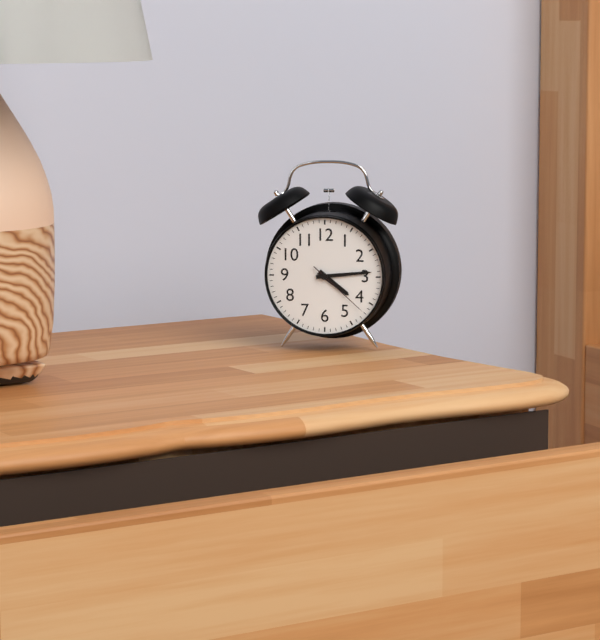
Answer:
4 h 14 min 22 s
